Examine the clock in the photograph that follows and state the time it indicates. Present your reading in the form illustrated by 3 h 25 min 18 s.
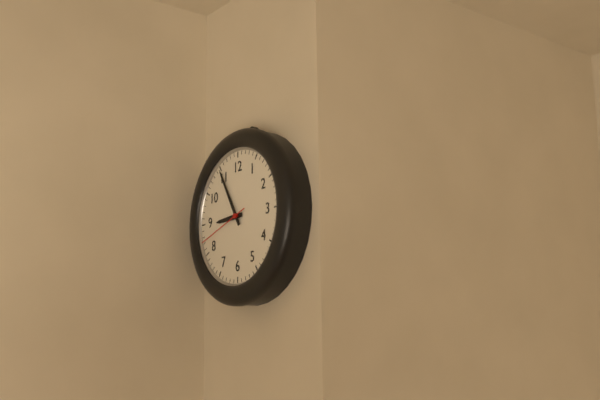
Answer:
8 h 55 min 42 s
